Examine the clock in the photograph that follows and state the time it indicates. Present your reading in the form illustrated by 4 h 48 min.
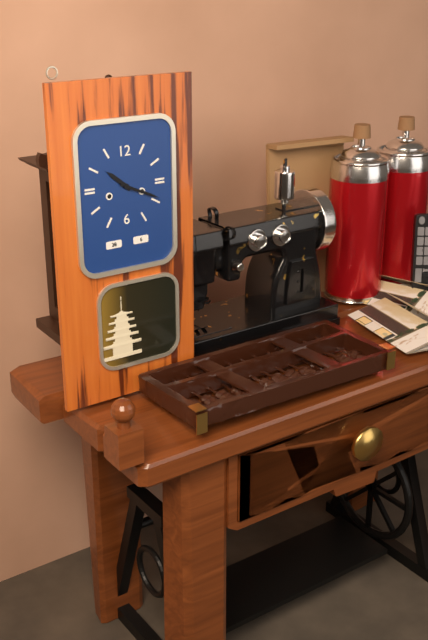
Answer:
10 h 19 min
